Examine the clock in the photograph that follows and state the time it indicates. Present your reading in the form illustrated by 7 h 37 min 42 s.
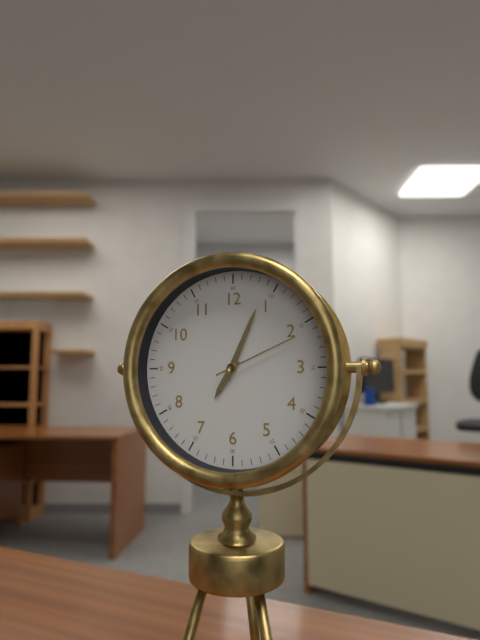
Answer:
7 h 04 min 11 s
